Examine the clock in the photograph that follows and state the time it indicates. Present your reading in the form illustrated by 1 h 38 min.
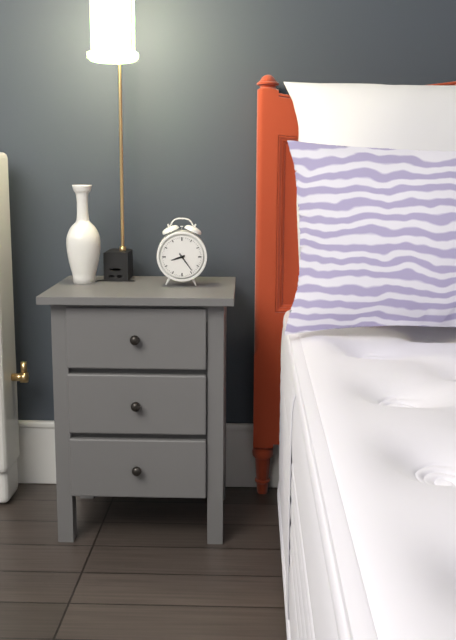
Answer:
8 h 24 min
